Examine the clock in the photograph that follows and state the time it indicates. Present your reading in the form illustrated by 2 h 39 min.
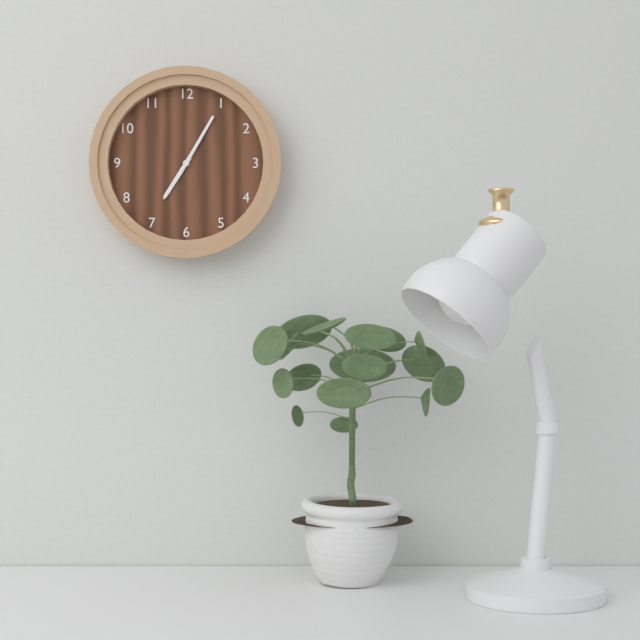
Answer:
7 h 05 min
